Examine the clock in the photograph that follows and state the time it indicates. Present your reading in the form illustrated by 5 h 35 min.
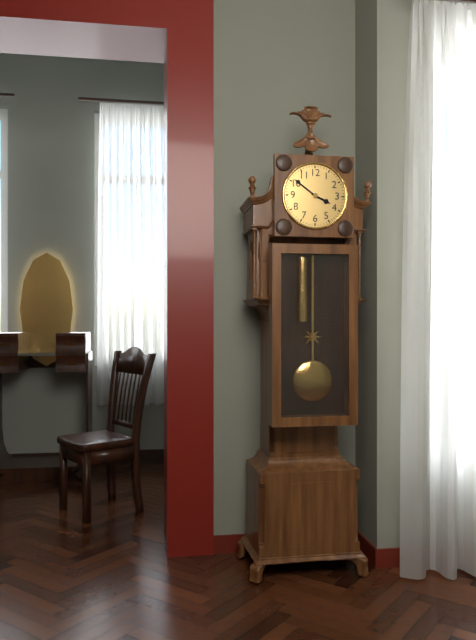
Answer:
3 h 51 min
